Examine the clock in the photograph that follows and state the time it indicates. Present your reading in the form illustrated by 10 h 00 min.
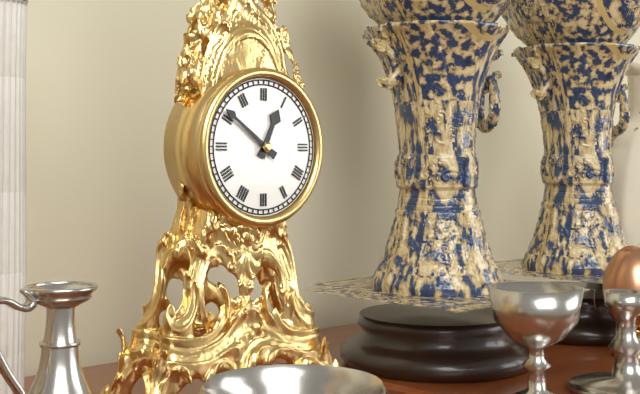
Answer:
12 h 51 min
